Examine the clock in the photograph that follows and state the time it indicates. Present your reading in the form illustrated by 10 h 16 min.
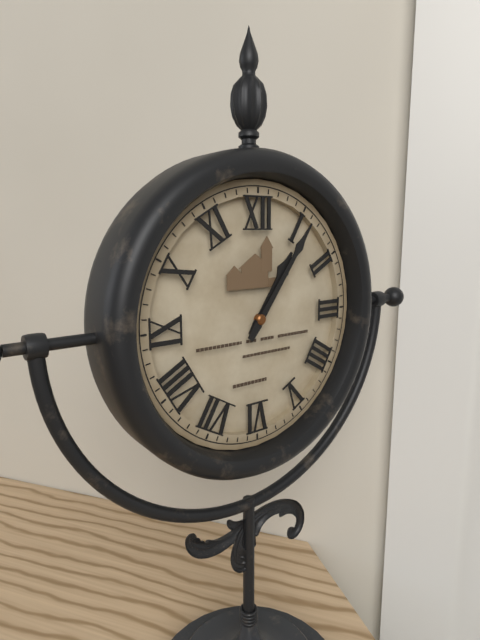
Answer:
1 h 06 min
